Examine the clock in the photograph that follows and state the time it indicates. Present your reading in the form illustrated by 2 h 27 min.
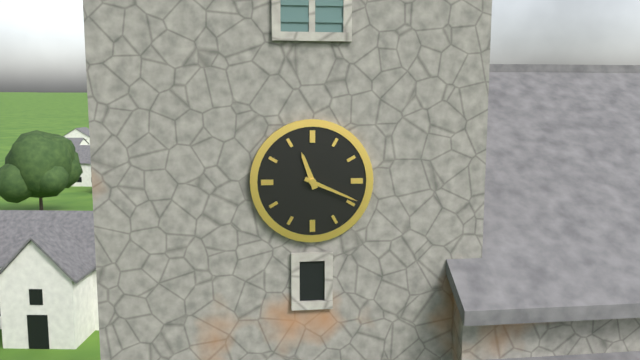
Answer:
11 h 19 min
